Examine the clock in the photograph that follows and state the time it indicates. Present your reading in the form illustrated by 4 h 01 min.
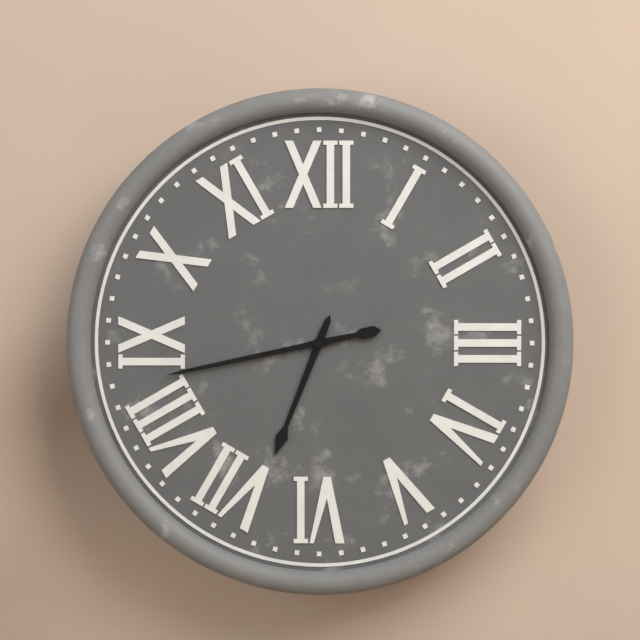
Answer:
6 h 43 min
